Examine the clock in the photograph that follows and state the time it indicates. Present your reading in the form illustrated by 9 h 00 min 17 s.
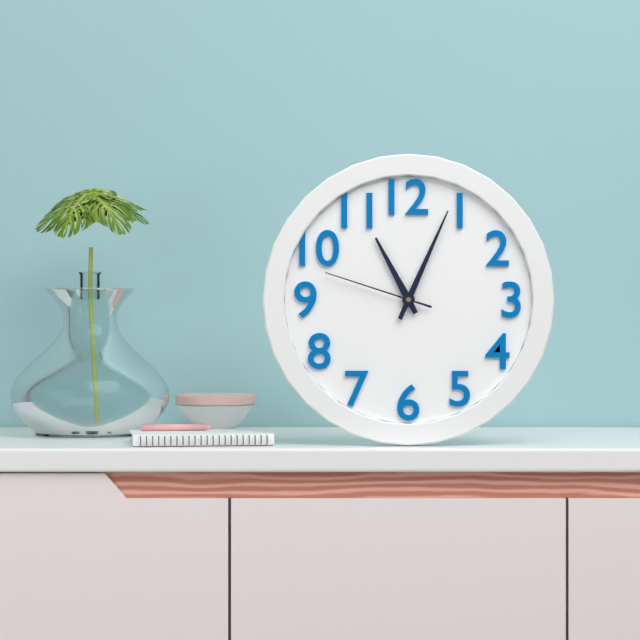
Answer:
11 h 04 min 48 s
